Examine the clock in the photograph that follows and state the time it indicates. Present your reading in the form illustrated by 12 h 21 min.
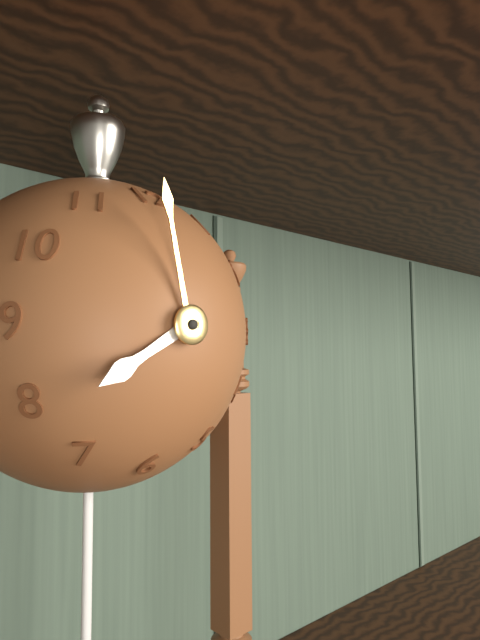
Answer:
7 h 58 min
